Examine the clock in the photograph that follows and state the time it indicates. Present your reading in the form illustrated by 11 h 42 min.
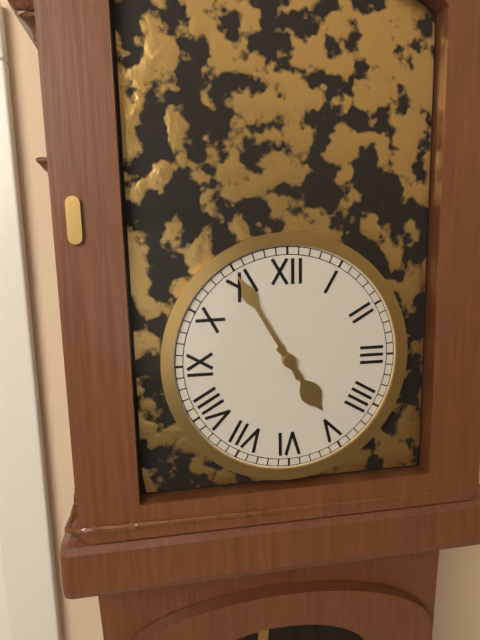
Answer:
4 h 55 min
